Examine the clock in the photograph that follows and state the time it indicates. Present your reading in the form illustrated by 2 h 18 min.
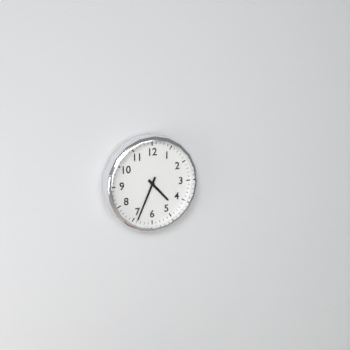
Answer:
4 h 34 min
